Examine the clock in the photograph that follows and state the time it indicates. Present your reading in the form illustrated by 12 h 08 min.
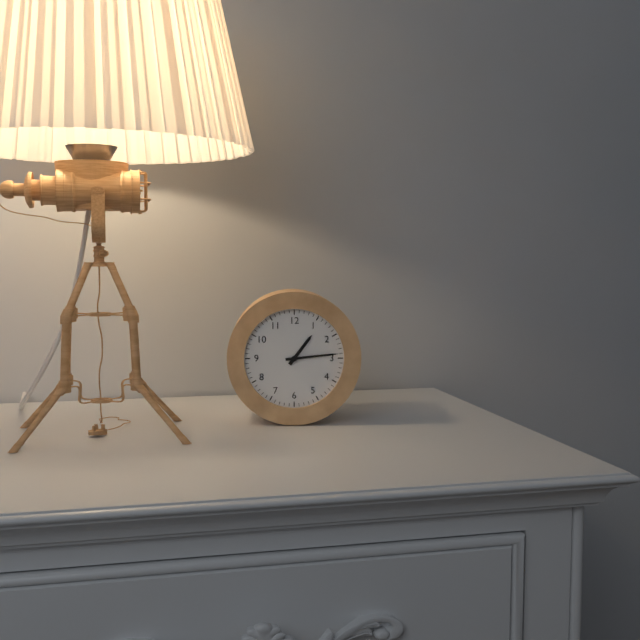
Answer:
1 h 14 min
